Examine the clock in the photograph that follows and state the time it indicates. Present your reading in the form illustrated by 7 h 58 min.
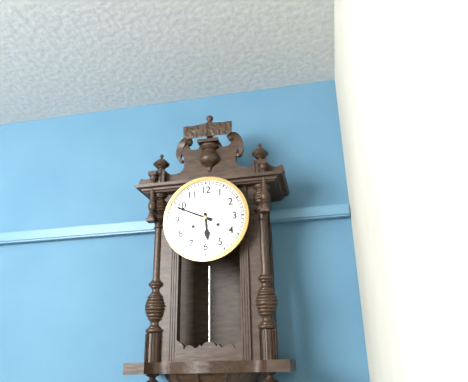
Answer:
5 h 49 min
